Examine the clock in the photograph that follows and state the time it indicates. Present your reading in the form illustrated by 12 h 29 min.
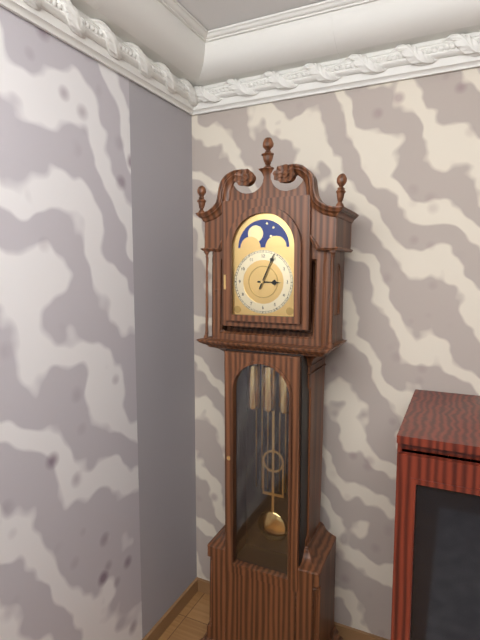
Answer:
3 h 04 min
